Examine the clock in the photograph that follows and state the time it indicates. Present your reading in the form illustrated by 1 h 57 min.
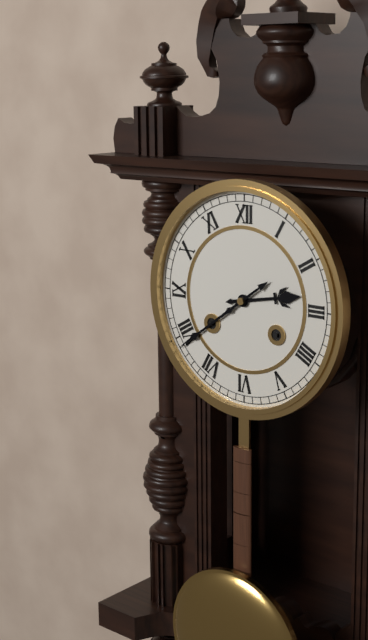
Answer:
2 h 39 min
